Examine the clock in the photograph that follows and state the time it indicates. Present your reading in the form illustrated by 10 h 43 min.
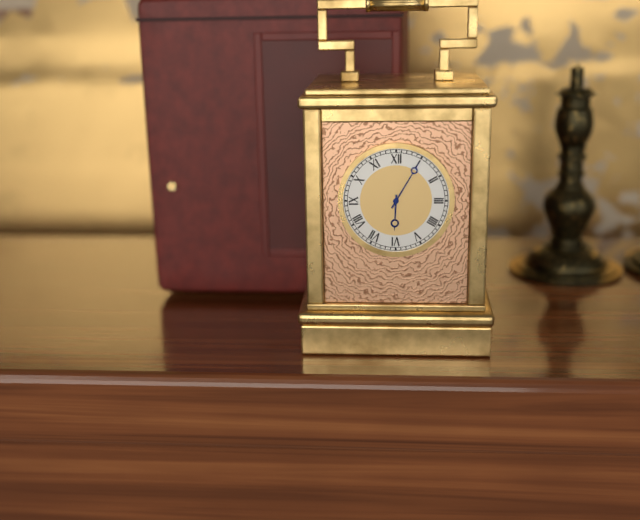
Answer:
6 h 05 min
